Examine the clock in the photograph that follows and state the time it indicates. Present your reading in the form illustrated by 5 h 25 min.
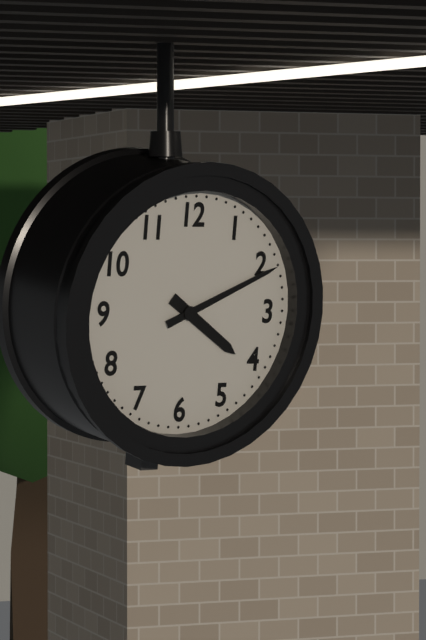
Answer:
4 h 11 min
